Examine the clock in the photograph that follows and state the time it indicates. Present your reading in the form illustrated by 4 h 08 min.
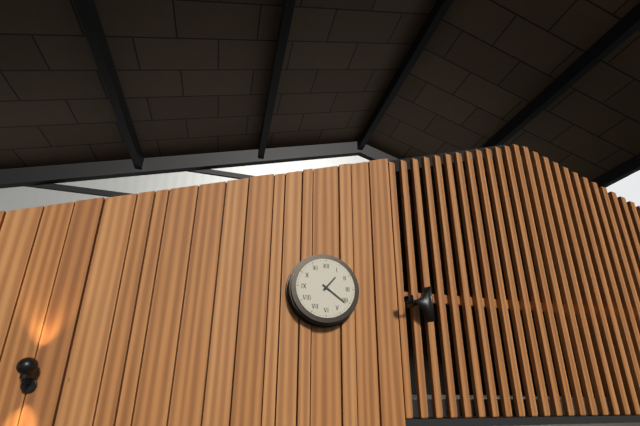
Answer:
1 h 21 min
